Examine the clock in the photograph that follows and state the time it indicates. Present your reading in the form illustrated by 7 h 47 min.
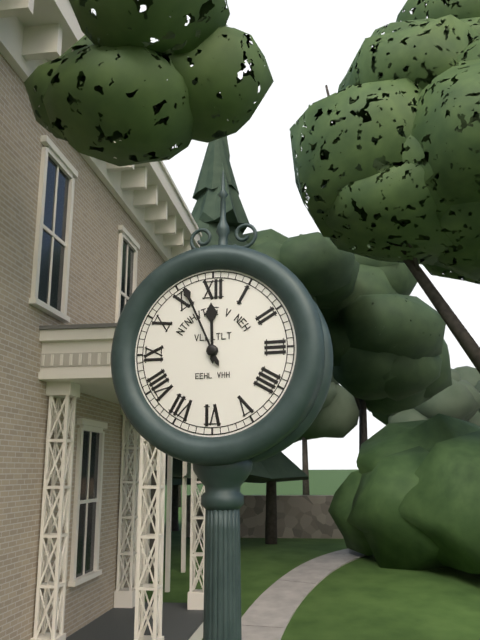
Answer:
11 h 56 min
